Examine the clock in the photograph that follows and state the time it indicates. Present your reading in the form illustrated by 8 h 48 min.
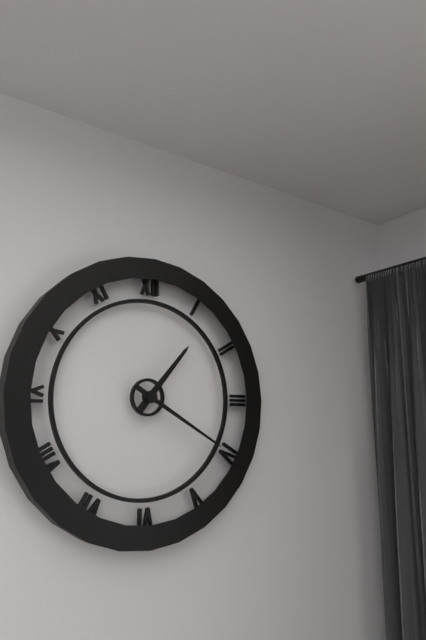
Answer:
1 h 20 min
